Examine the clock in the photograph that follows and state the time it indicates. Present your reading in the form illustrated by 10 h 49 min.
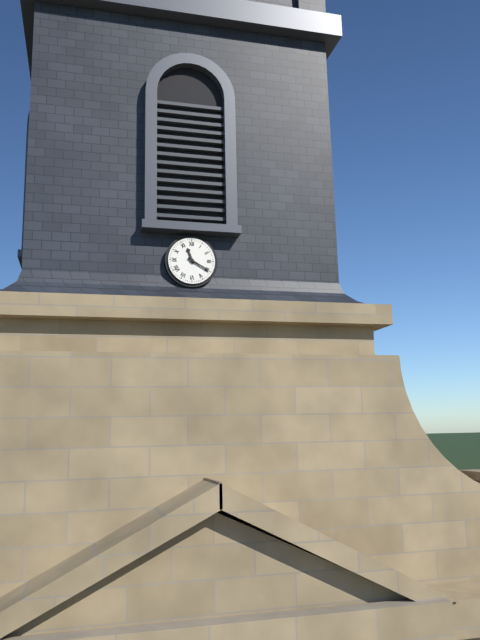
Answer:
11 h 20 min
